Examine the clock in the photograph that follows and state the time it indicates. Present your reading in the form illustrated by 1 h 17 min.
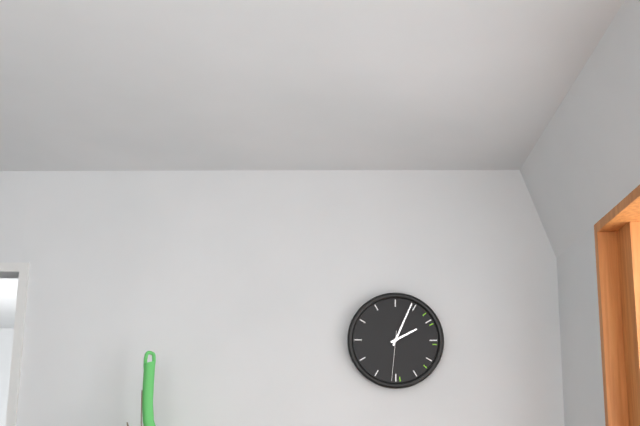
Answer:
2 h 04 min
